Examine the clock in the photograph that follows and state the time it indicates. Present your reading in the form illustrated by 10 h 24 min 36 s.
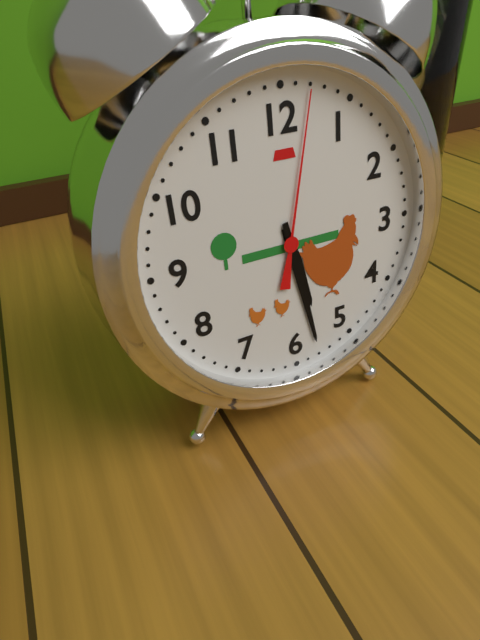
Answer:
5 h 28 min 02 s
